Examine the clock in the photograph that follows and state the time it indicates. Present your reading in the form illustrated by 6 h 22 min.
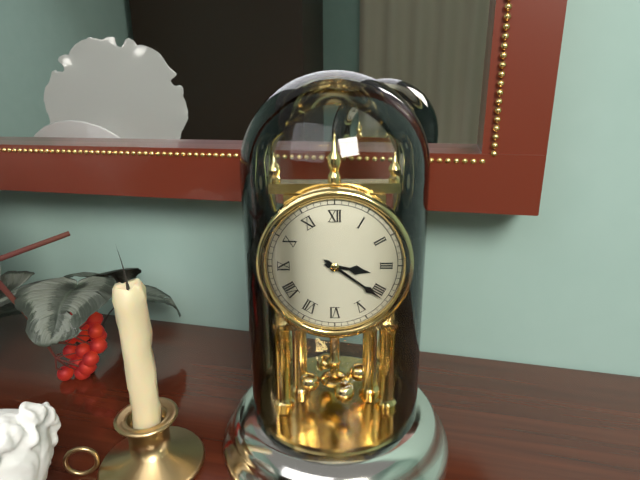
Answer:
3 h 21 min
